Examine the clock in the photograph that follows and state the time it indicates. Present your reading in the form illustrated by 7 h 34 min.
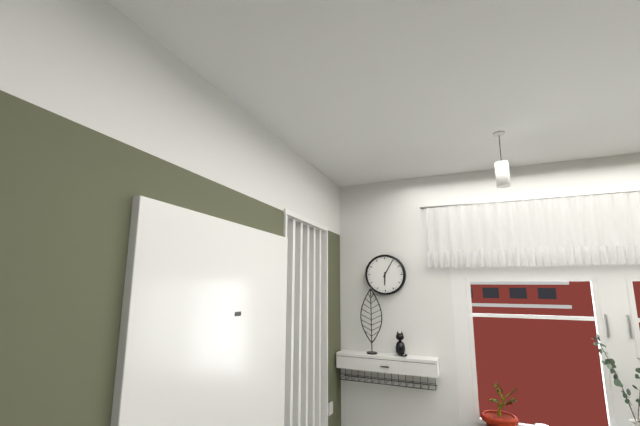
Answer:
6 h 05 min
